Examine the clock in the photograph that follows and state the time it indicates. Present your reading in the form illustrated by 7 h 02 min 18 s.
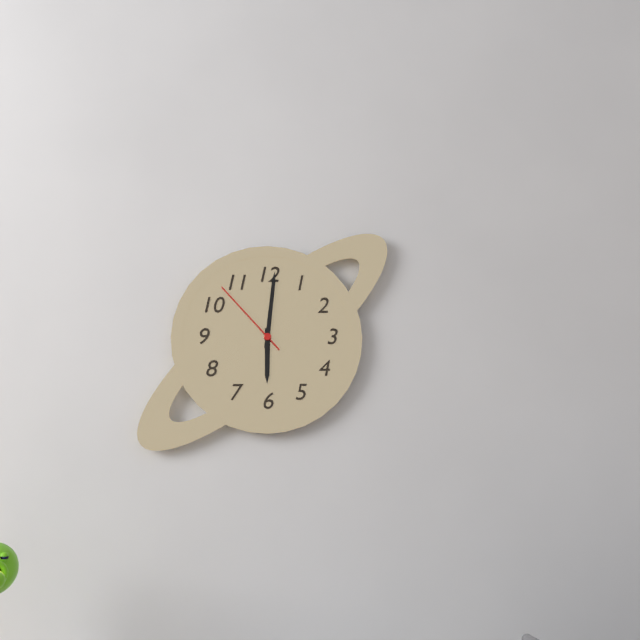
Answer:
6 h 01 min 53 s
